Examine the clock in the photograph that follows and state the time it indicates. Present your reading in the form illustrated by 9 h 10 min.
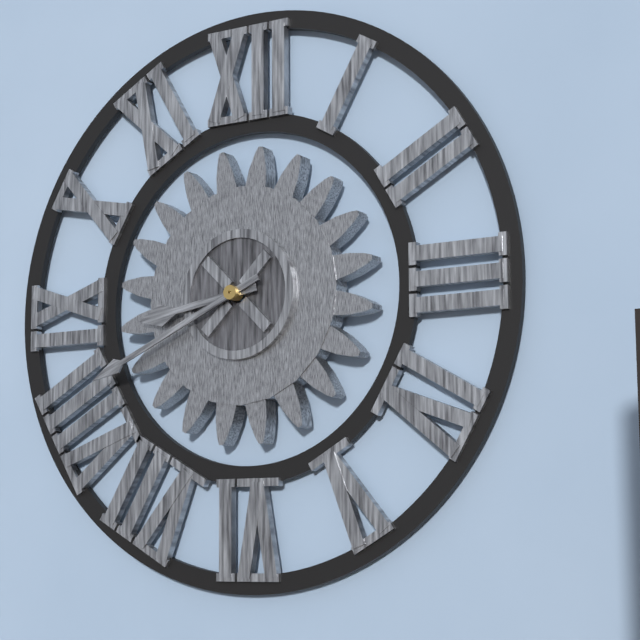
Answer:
8 h 41 min
